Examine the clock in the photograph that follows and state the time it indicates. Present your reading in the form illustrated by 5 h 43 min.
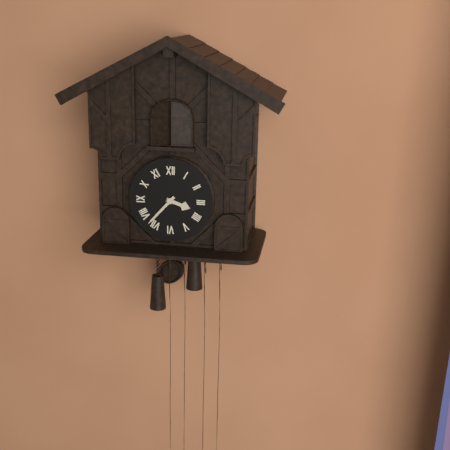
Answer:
3 h 37 min
